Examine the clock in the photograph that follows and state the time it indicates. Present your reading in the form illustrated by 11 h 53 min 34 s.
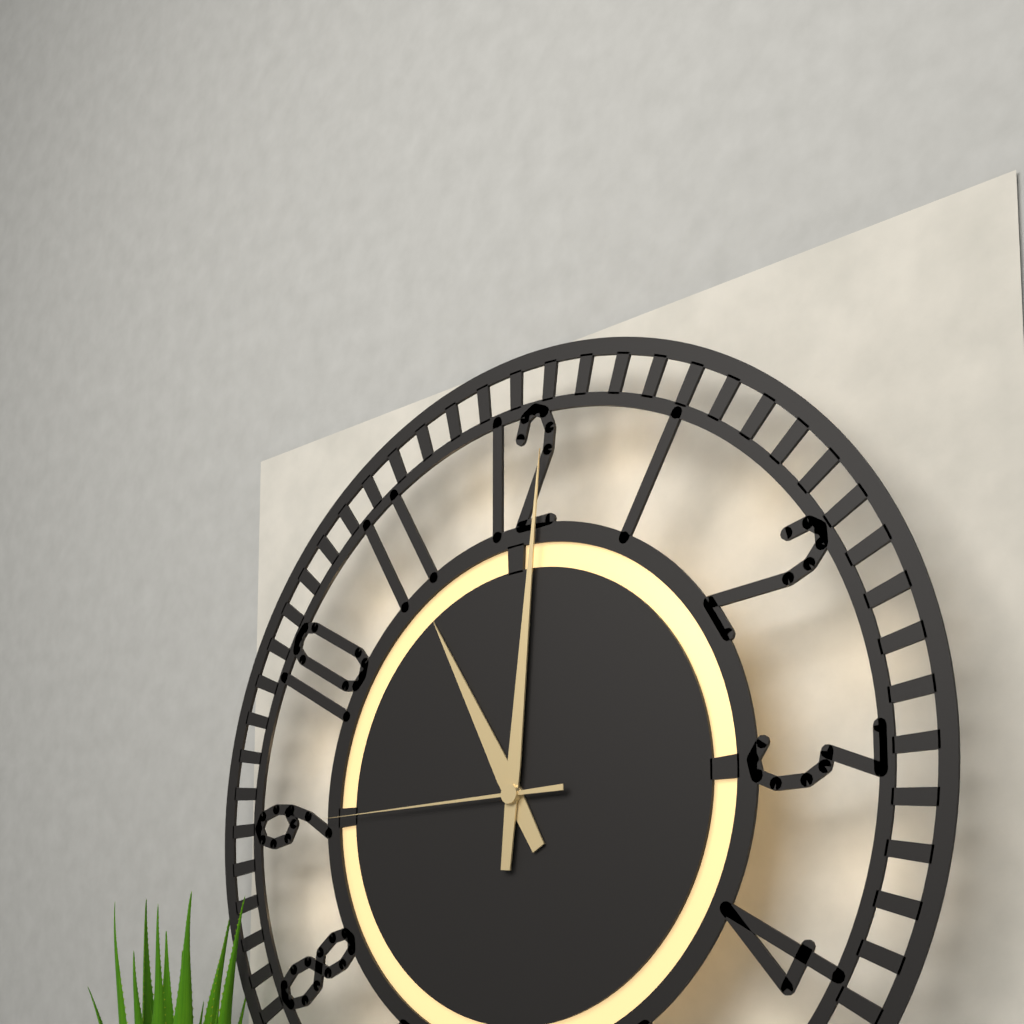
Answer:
11 h 01 min 45 s
